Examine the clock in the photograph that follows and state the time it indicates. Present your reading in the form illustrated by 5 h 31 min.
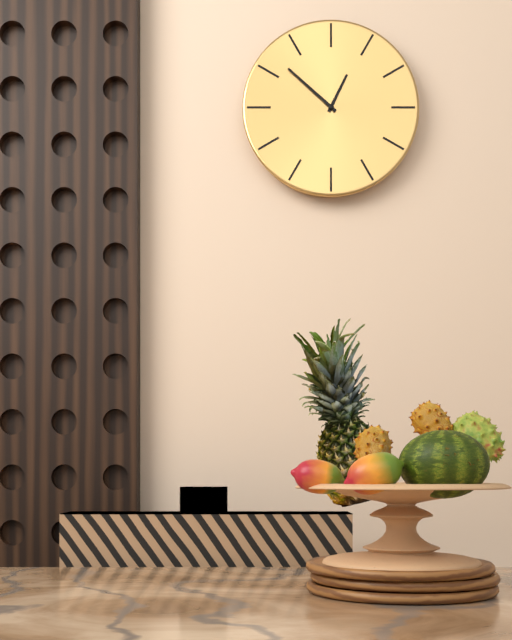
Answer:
12 h 52 min
